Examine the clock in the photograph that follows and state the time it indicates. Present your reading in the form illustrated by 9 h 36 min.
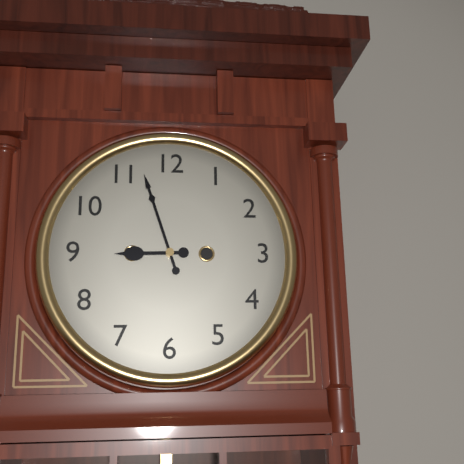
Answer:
8 h 57 min
